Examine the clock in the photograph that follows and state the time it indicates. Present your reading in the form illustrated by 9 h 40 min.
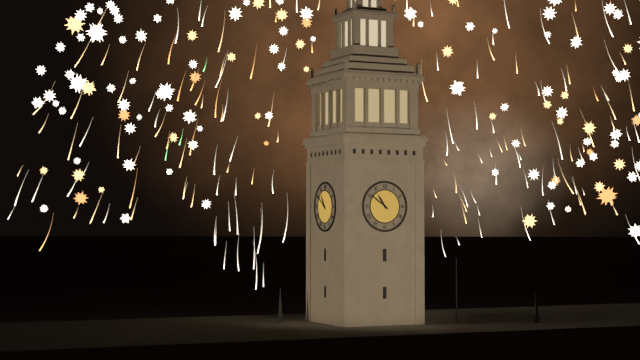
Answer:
10 h 51 min
